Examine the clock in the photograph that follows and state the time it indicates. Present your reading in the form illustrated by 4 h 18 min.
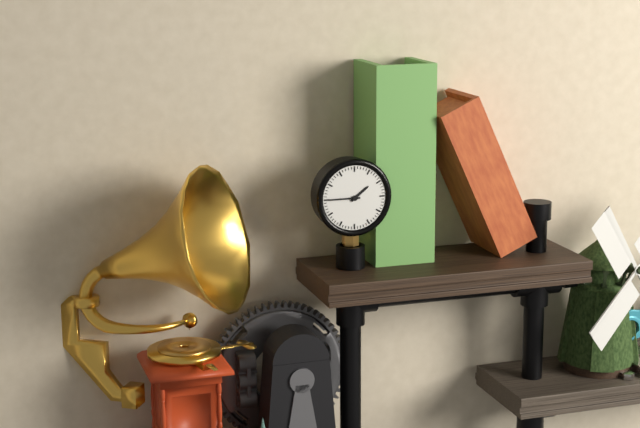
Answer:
1 h 45 min
